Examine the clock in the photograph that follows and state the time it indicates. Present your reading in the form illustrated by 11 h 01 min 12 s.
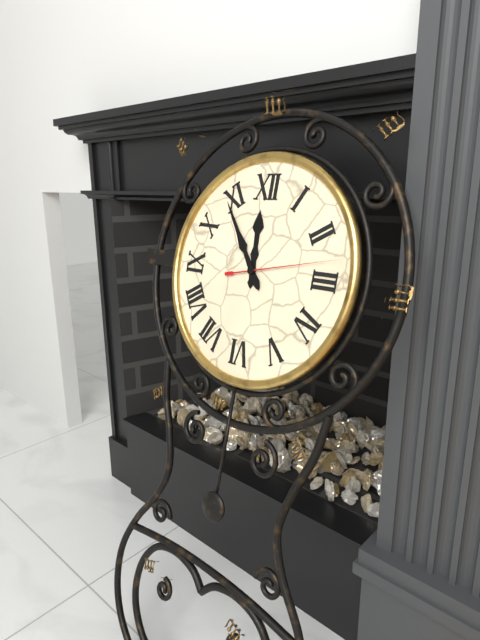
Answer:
11 h 54 min 13 s
